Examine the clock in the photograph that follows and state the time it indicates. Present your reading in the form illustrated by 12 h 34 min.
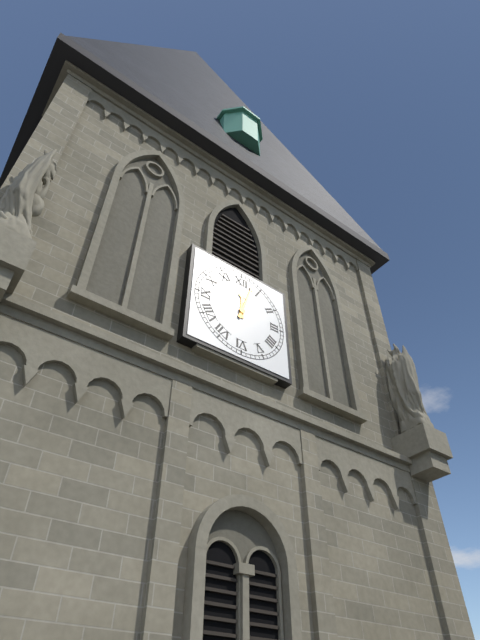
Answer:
12 h 03 min
